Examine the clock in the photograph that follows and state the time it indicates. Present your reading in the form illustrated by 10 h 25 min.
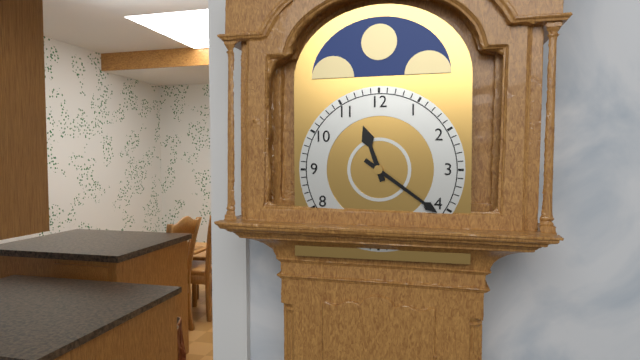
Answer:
11 h 21 min
